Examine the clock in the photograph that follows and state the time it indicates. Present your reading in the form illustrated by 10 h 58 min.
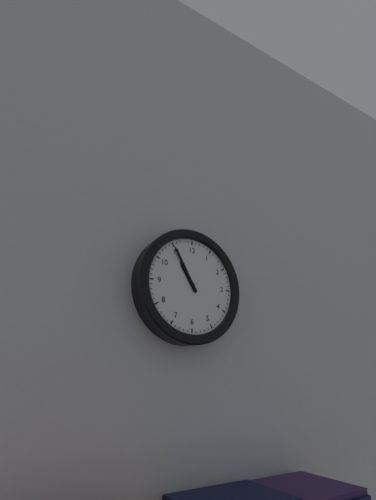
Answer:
10 h 55 min
